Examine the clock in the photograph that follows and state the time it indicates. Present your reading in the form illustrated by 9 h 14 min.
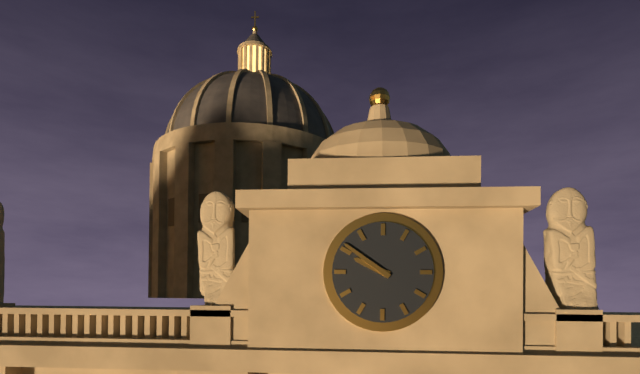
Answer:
9 h 51 min
